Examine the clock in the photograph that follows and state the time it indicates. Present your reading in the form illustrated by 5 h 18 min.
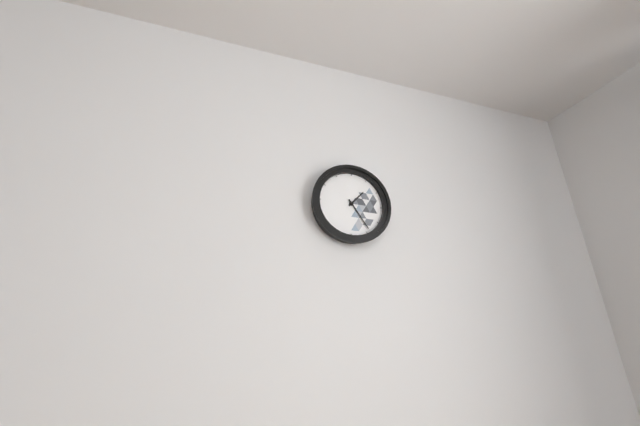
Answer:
1 h 24 min
